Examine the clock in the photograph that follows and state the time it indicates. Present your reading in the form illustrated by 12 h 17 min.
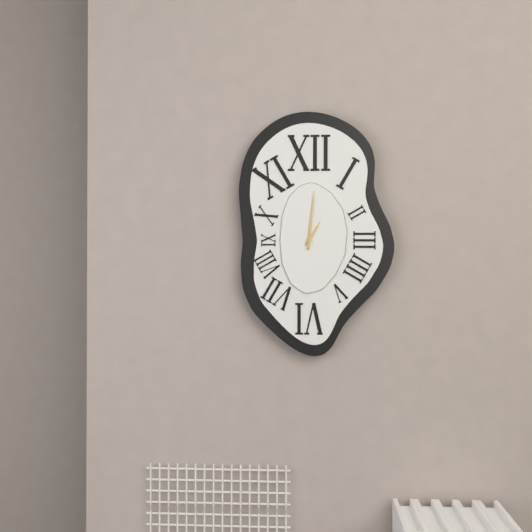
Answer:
1 h 01 min
